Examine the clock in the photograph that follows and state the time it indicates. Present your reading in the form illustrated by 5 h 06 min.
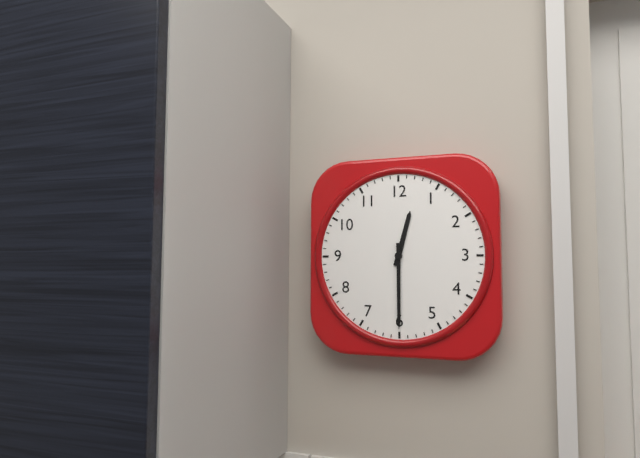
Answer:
12 h 30 min
